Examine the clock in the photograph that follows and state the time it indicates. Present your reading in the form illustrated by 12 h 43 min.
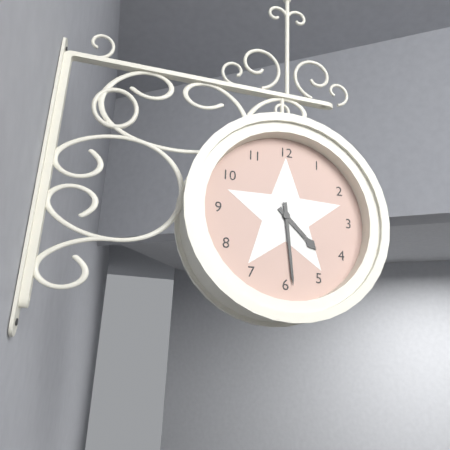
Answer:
4 h 29 min
